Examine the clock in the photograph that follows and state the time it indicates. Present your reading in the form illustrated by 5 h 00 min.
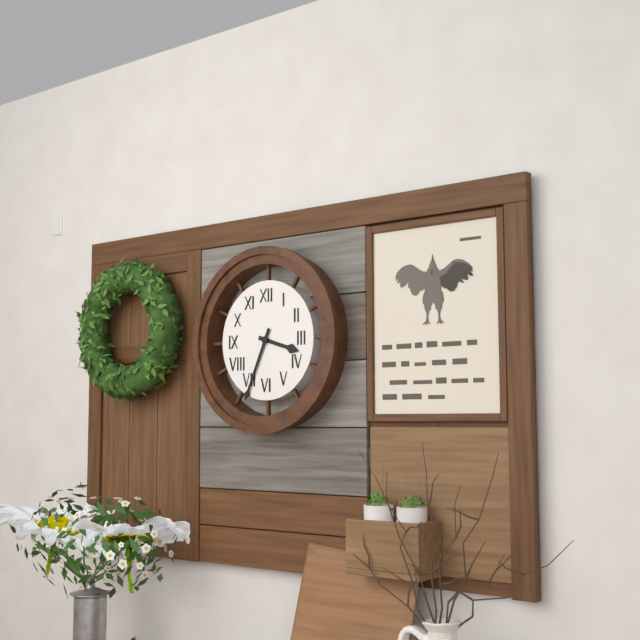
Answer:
3 h 34 min
